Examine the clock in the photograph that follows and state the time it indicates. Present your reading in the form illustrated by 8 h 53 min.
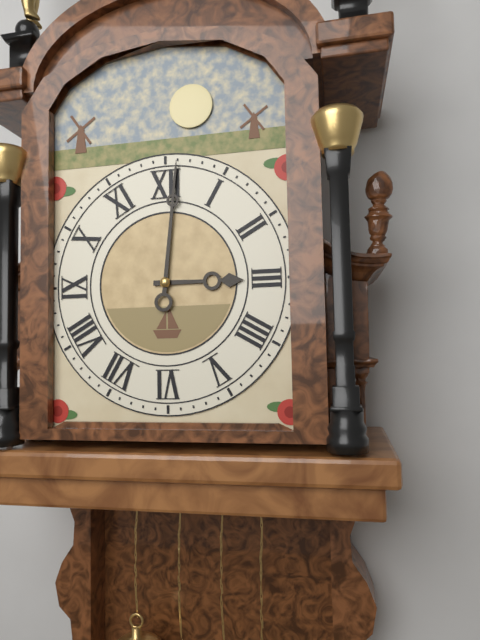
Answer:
3 h 01 min
